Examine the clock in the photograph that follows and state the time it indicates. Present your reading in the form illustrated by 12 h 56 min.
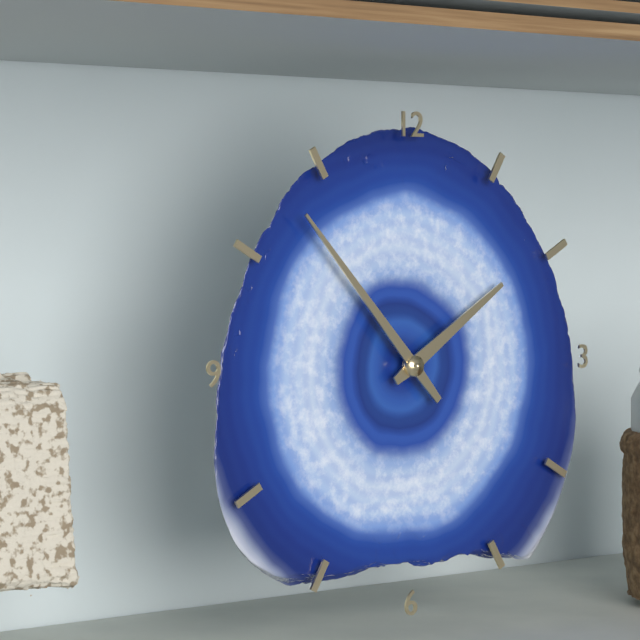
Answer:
1 h 53 min
